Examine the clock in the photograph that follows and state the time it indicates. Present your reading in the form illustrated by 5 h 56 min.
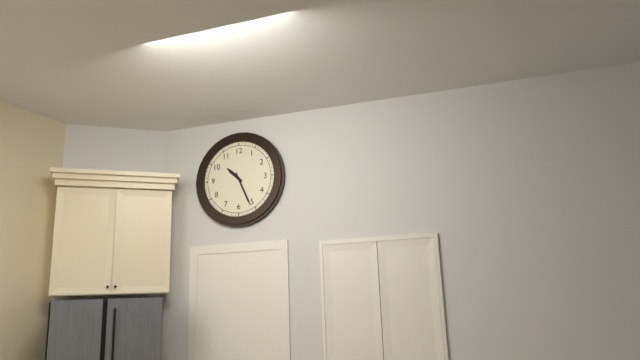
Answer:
10 h 26 min
